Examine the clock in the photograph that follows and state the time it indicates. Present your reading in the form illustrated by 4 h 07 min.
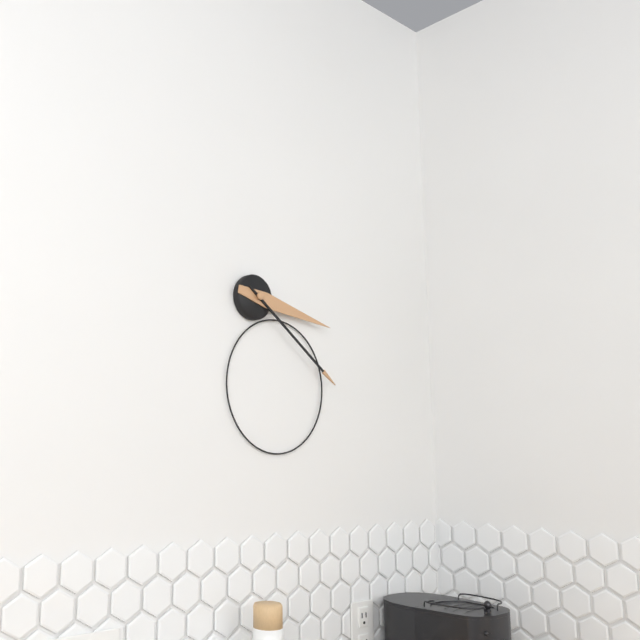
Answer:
3 h 21 min
